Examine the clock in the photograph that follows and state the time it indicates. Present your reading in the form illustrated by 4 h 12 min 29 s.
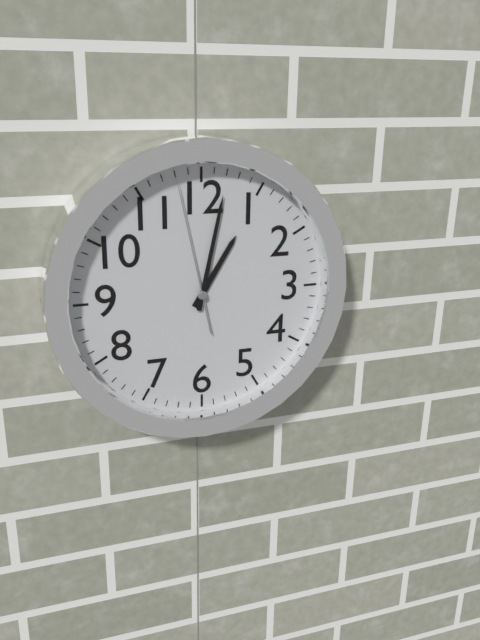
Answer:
1 h 02 min 58 s
